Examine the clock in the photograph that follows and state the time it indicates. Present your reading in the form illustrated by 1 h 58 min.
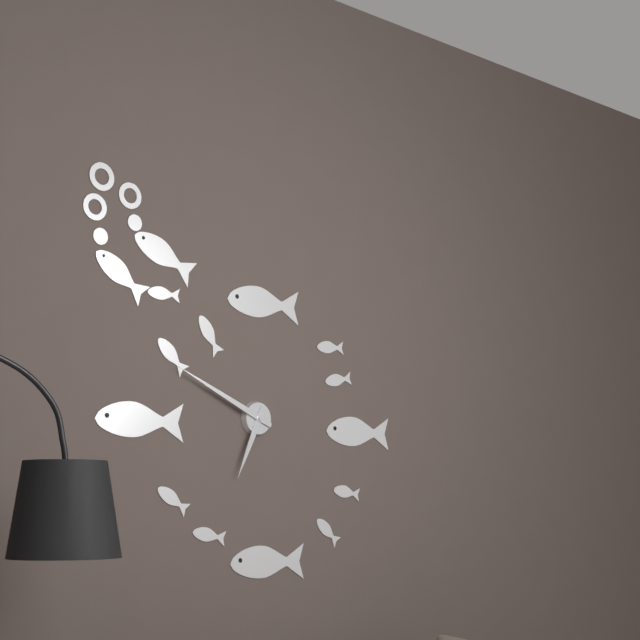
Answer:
6 h 49 min
